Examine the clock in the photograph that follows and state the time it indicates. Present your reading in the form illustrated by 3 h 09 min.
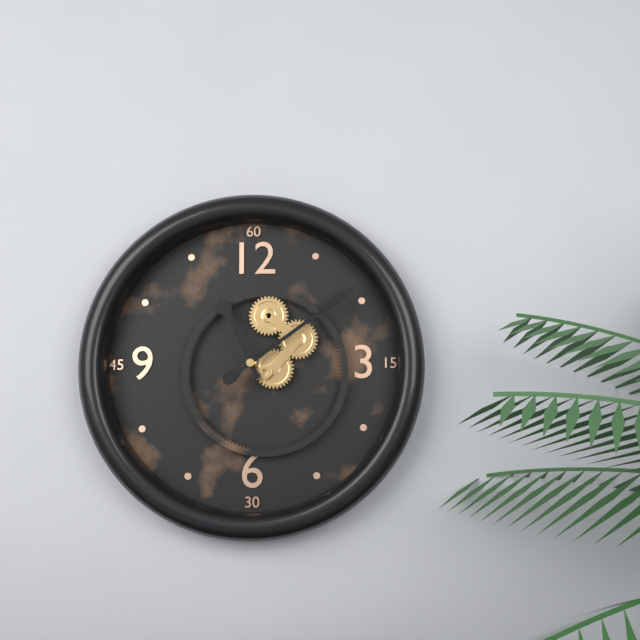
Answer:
11 h 09 min
